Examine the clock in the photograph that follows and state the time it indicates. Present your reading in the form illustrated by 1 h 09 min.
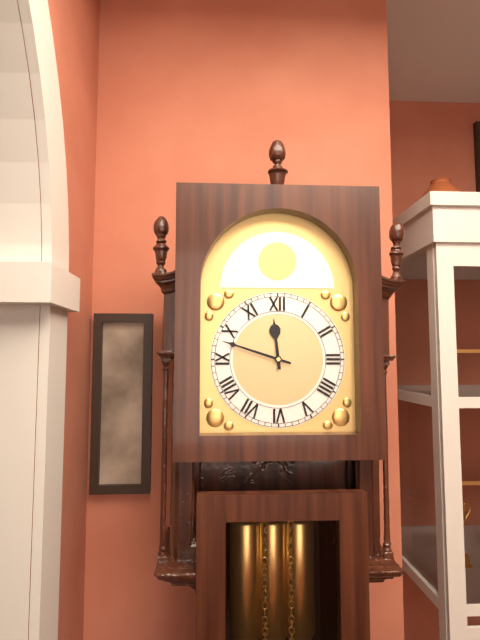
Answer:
11 h 48 min
